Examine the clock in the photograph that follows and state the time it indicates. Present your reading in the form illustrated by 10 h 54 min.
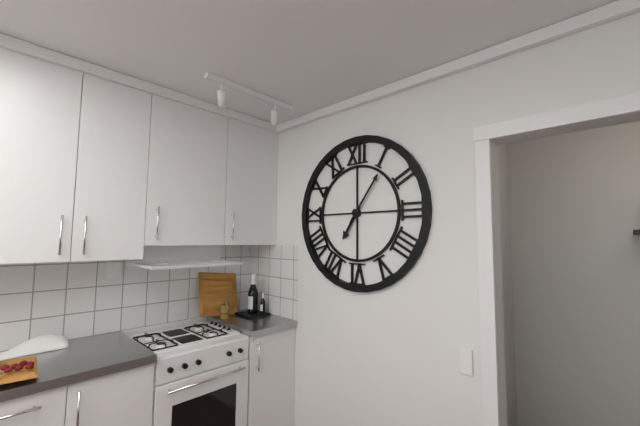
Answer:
7 h 06 min
